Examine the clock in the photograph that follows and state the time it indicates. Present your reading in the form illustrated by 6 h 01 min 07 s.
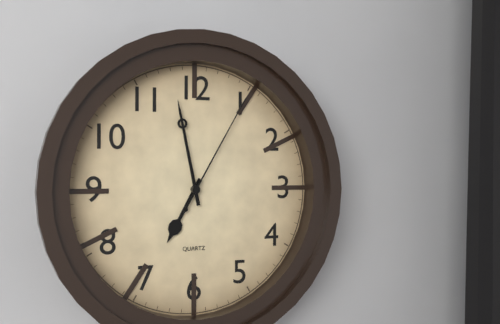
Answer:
6 h 58 min 05 s
